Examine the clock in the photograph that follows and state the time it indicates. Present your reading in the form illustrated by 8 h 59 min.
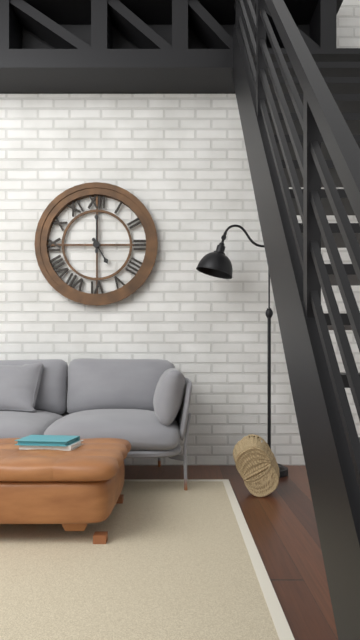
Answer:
5 h 00 min
